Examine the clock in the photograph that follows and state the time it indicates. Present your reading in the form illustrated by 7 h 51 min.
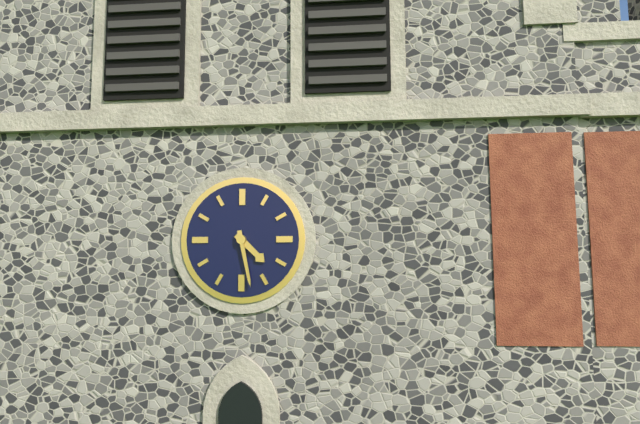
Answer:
4 h 28 min
